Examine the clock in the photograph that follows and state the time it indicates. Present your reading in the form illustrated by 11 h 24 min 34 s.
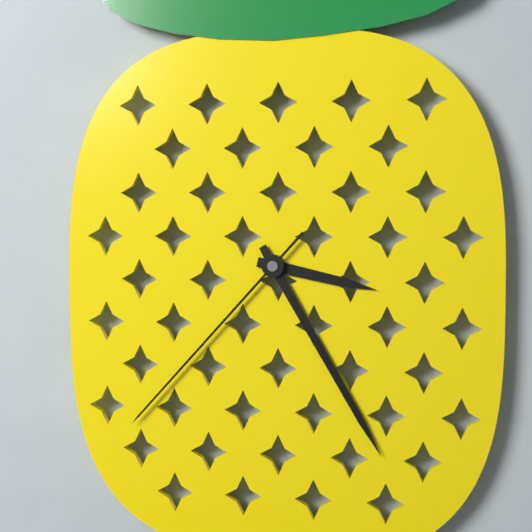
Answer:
3 h 25 min 37 s
